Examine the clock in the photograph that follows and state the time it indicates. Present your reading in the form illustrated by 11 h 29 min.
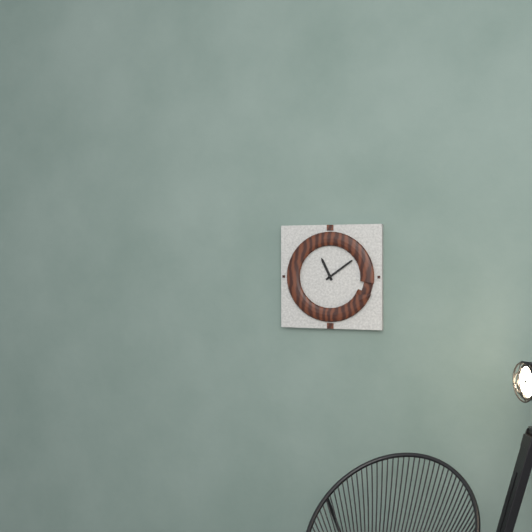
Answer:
11 h 09 min
